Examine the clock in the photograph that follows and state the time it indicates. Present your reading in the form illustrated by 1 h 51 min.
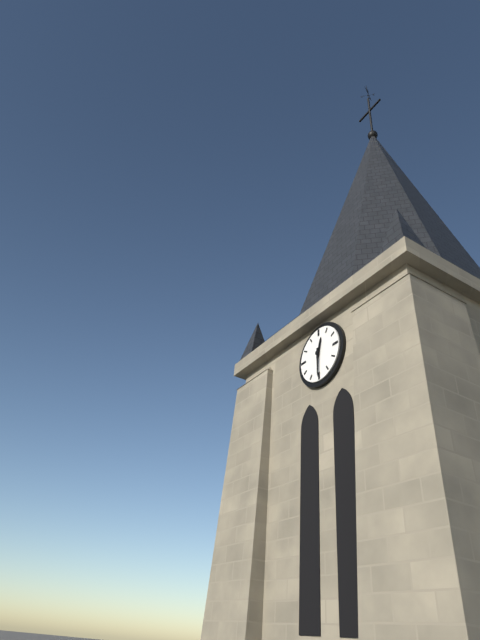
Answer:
12 h 30 min
